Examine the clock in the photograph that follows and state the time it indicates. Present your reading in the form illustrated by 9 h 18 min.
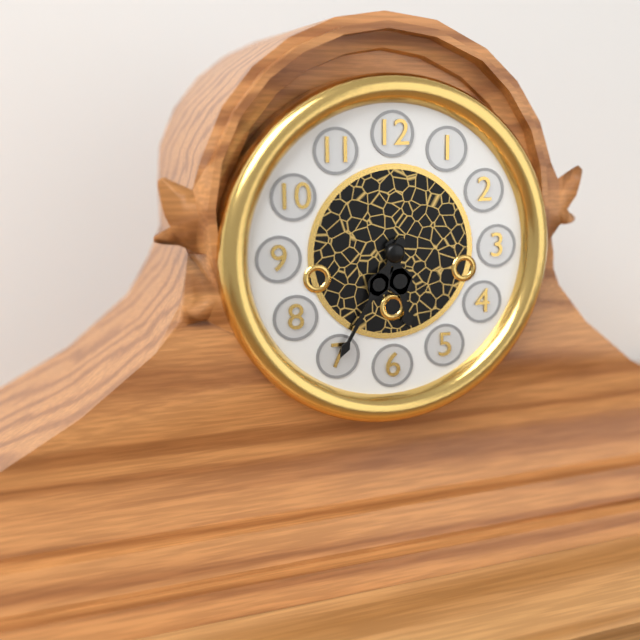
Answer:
5 h 35 min
